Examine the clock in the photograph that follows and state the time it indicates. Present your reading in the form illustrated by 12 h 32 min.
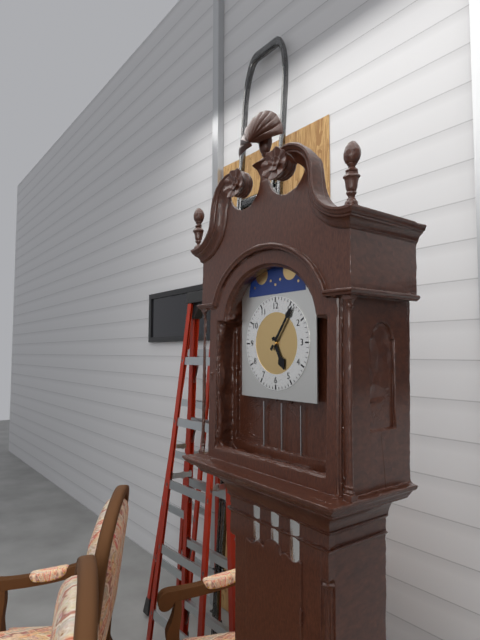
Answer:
5 h 06 min
